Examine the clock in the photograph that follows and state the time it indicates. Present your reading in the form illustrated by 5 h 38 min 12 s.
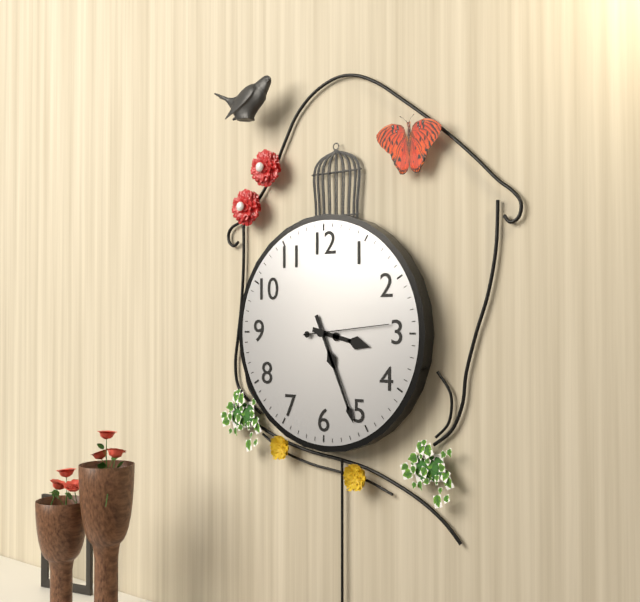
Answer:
3 h 26 min 14 s
